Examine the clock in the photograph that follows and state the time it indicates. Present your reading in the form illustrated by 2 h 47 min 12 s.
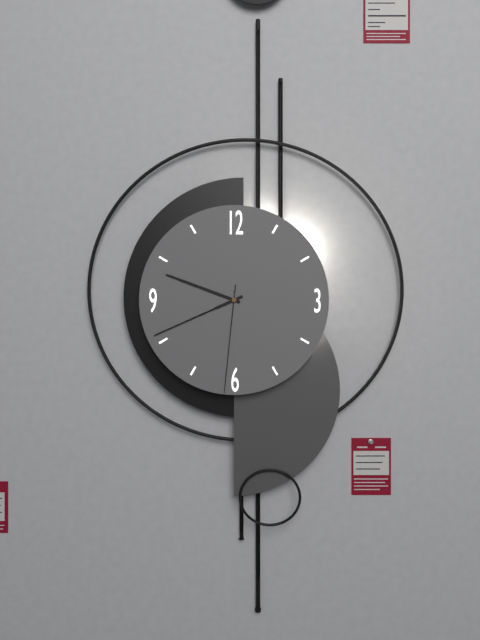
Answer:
9 h 41 min 31 s
